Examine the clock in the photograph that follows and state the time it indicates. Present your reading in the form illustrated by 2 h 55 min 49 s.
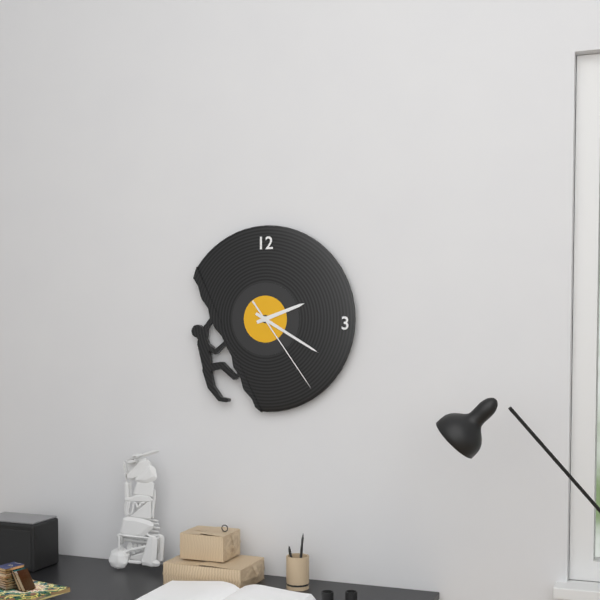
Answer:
2 h 20 min 24 s
